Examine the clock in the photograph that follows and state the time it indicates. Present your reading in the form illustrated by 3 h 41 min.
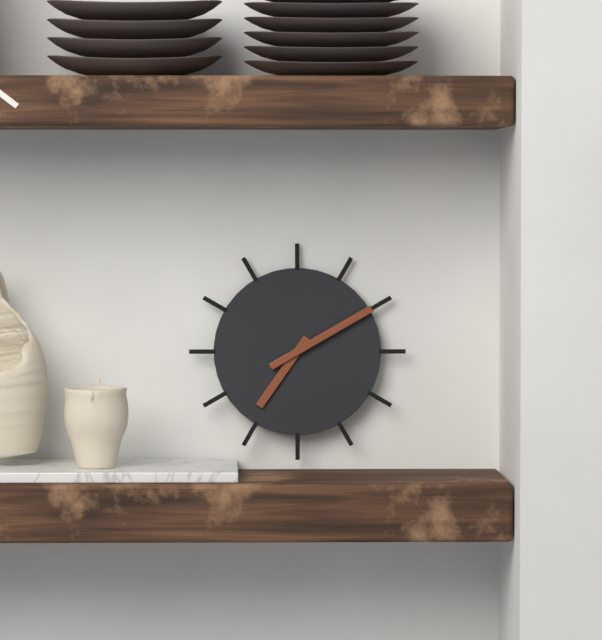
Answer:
7 h 10 min
